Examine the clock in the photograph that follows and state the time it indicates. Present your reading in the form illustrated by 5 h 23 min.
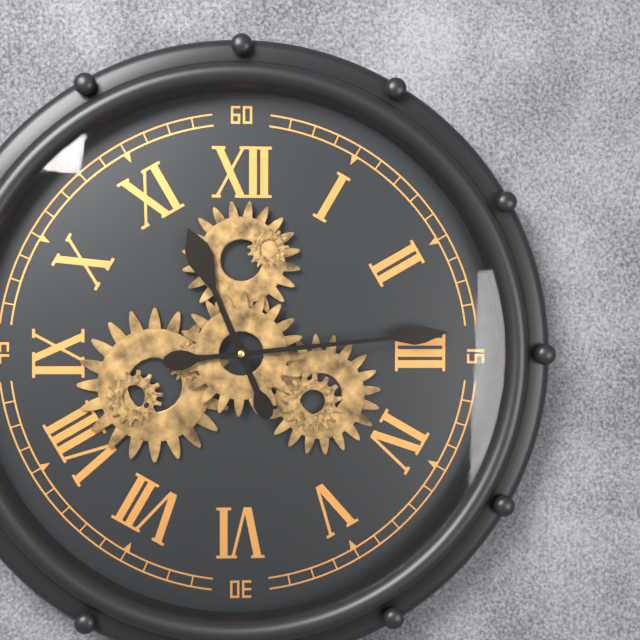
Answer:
11 h 14 min
